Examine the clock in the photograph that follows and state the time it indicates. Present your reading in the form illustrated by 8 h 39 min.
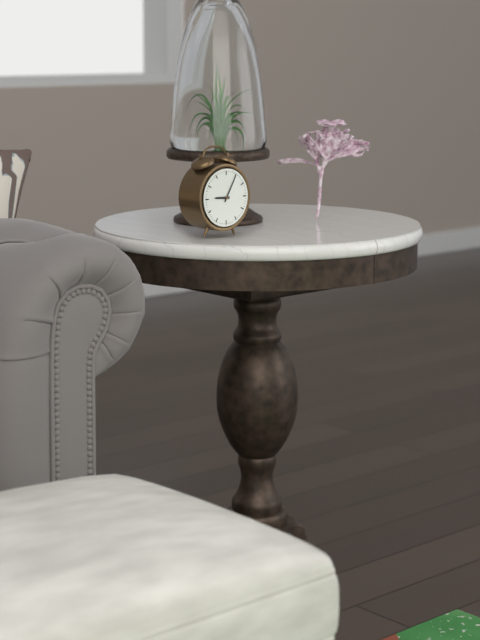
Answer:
9 h 05 min
